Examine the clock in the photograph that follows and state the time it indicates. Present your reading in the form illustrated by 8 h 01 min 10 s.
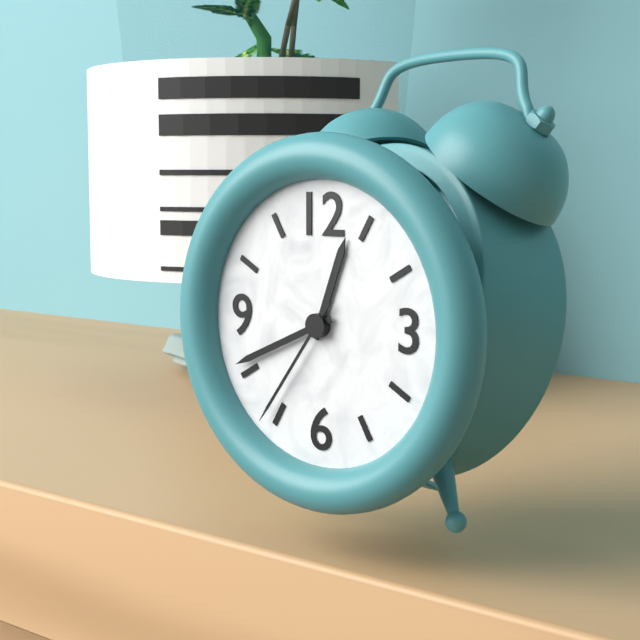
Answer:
12 h 41 min 36 s
